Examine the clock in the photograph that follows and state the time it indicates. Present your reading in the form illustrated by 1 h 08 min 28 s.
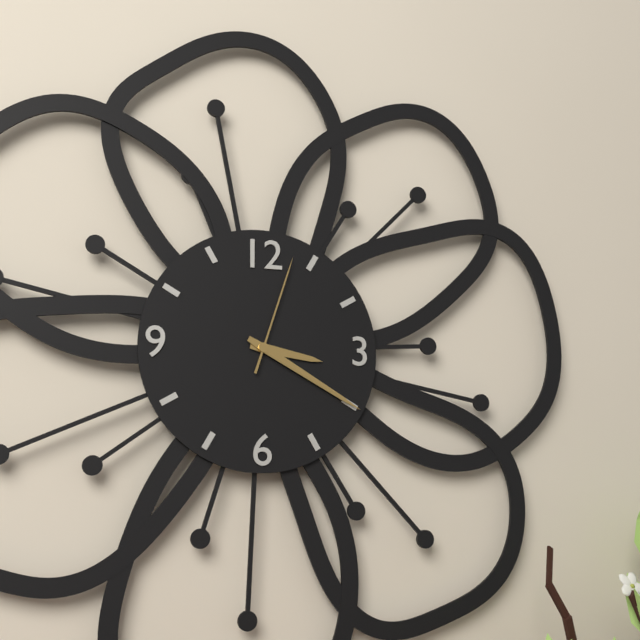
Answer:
3 h 20 min 03 s
